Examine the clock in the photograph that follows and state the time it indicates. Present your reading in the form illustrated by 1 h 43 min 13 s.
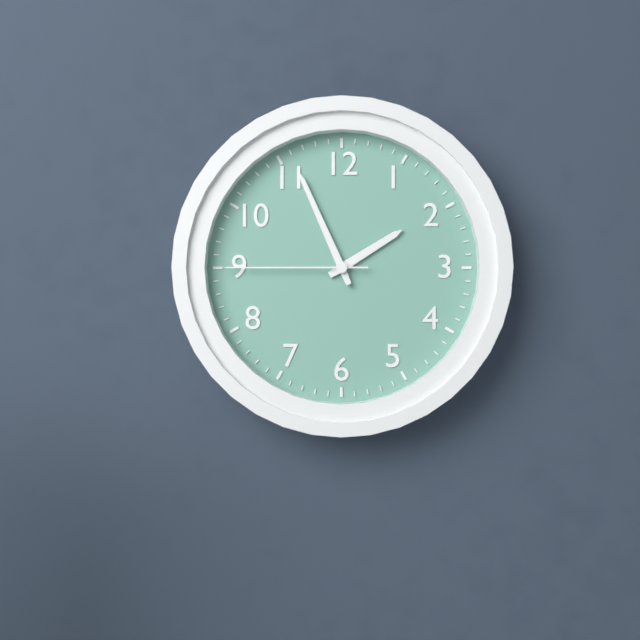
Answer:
1 h 56 min 45 s
